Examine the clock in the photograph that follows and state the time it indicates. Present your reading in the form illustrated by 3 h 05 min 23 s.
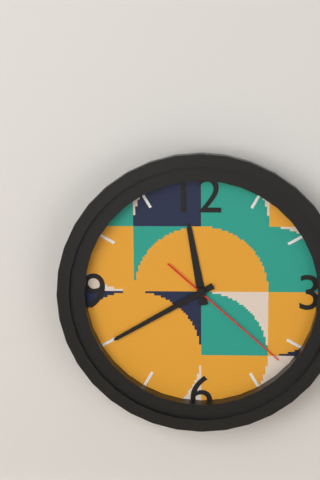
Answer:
11 h 40 min 22 s
